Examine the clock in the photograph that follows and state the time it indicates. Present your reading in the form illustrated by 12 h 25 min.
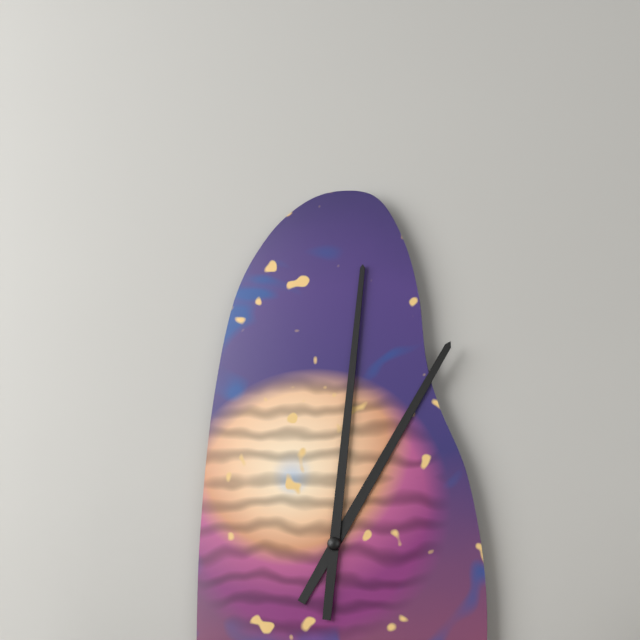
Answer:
1 h 01 min
